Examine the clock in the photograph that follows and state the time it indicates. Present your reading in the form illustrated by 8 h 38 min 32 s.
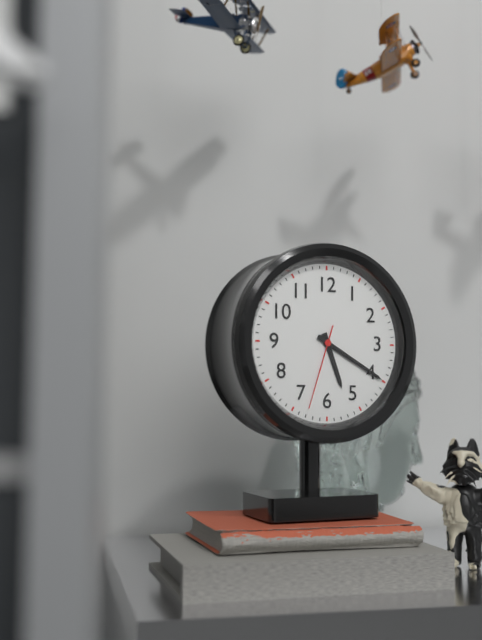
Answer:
5 h 20 min 33 s
